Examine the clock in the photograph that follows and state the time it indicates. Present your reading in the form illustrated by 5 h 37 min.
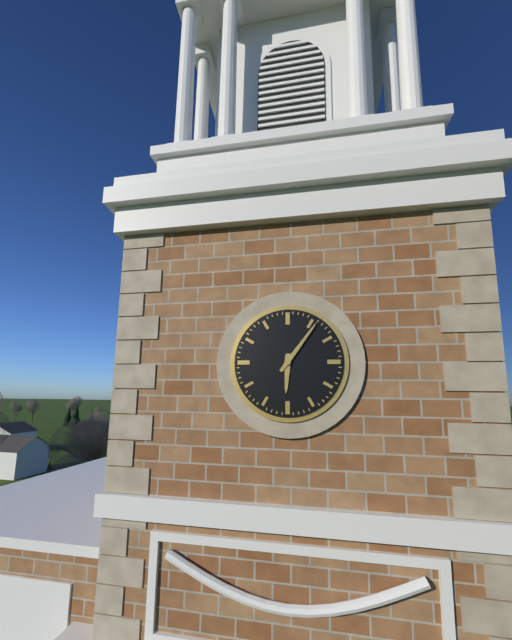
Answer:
6 h 06 min
